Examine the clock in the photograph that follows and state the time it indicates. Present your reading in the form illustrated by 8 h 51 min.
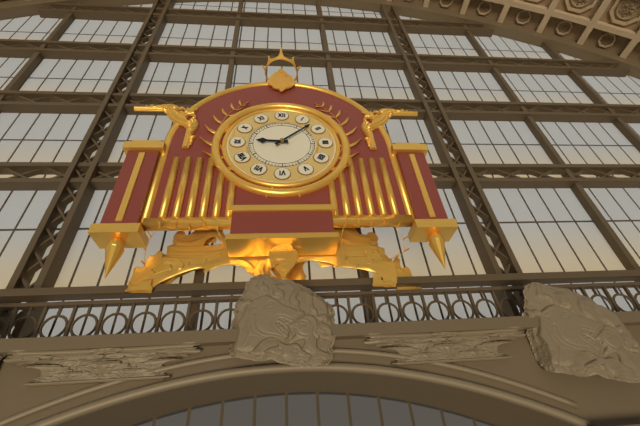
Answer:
9 h 08 min
